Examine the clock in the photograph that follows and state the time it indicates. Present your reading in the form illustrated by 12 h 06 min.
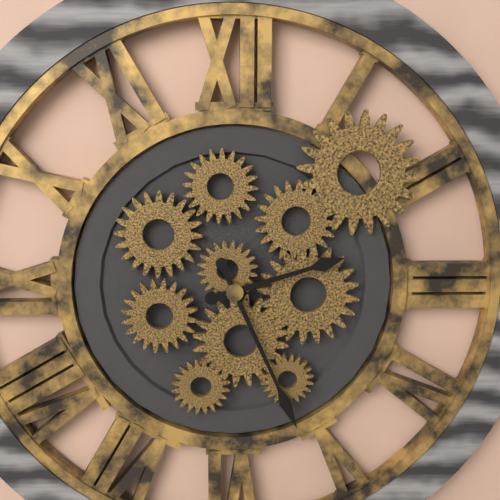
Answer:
2 h 26 min
